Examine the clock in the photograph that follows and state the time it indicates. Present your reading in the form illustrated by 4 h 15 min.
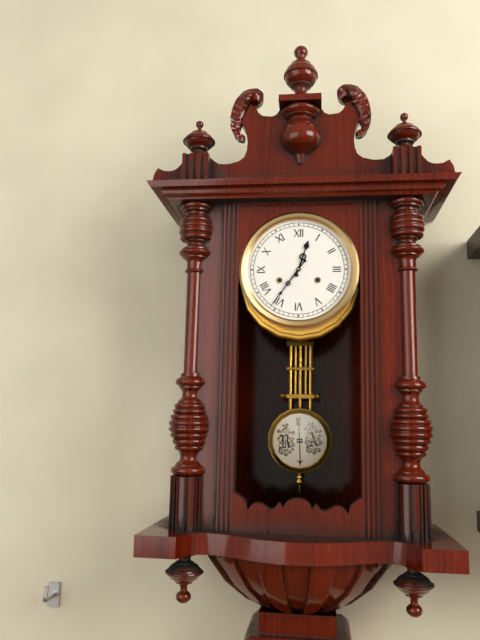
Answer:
12 h 36 min
